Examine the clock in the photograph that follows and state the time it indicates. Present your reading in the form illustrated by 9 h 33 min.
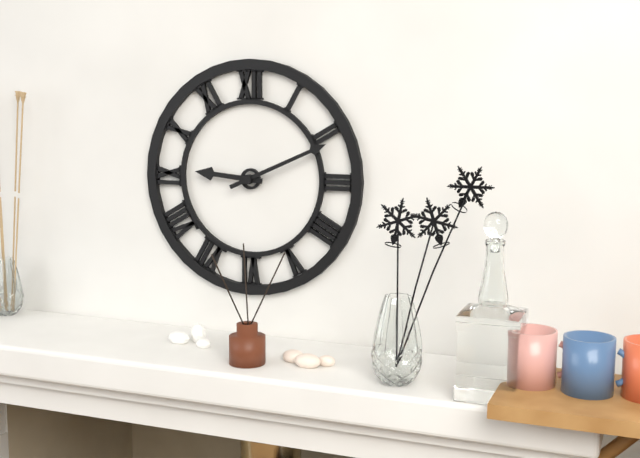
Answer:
9 h 11 min
